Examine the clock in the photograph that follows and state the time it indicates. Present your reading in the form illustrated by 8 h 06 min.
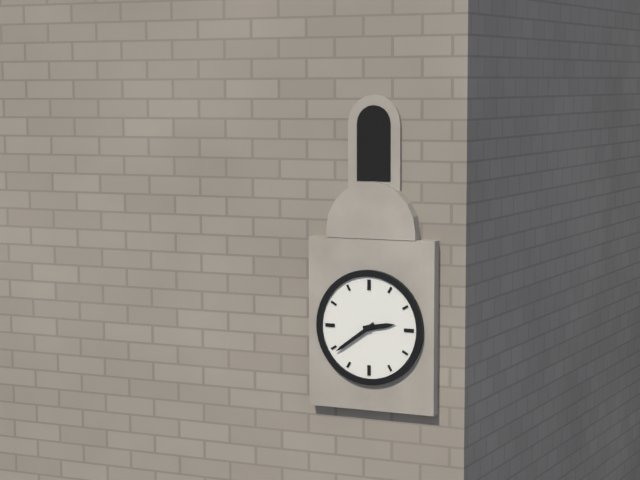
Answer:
2 h 39 min
